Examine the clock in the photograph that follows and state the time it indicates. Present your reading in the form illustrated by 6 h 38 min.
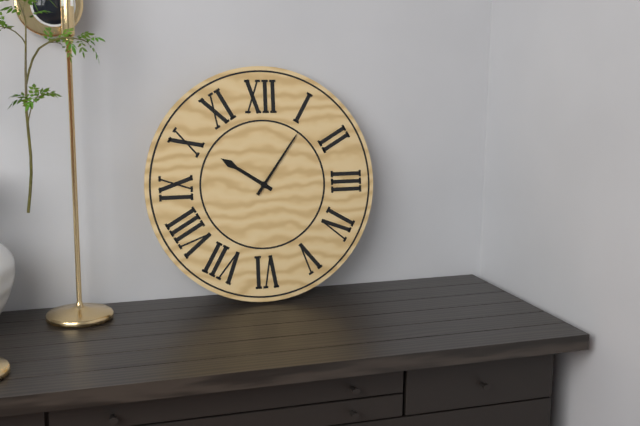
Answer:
10 h 06 min
